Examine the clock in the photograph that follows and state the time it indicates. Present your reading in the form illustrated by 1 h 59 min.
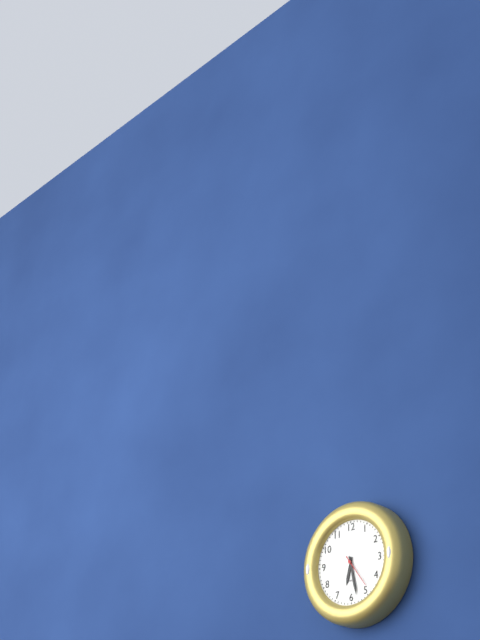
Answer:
6 h 28 min
